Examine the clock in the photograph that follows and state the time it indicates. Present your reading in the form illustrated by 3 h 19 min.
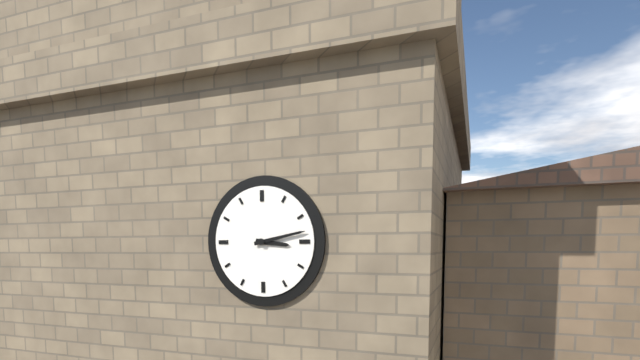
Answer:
3 h 13 min
